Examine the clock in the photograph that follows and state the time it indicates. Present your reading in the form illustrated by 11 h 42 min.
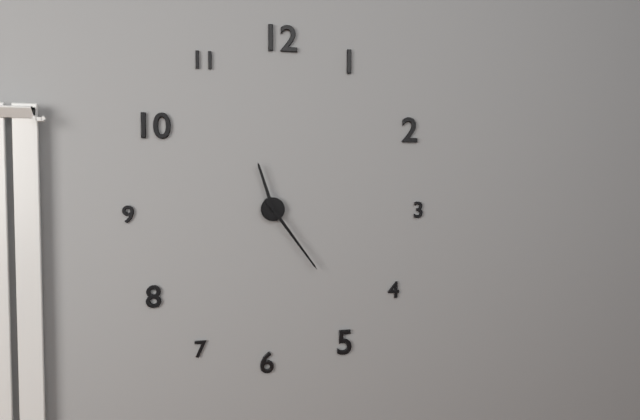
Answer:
11 h 24 min
